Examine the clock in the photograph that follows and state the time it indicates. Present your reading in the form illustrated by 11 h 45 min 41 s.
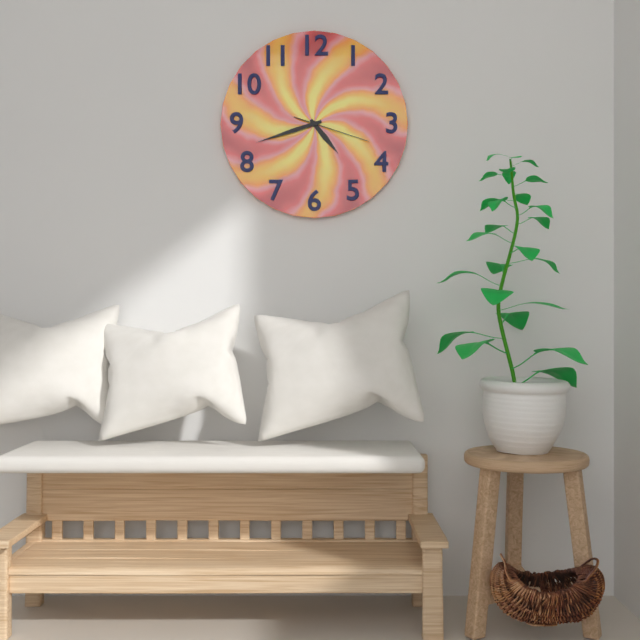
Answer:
4 h 42 min 18 s
